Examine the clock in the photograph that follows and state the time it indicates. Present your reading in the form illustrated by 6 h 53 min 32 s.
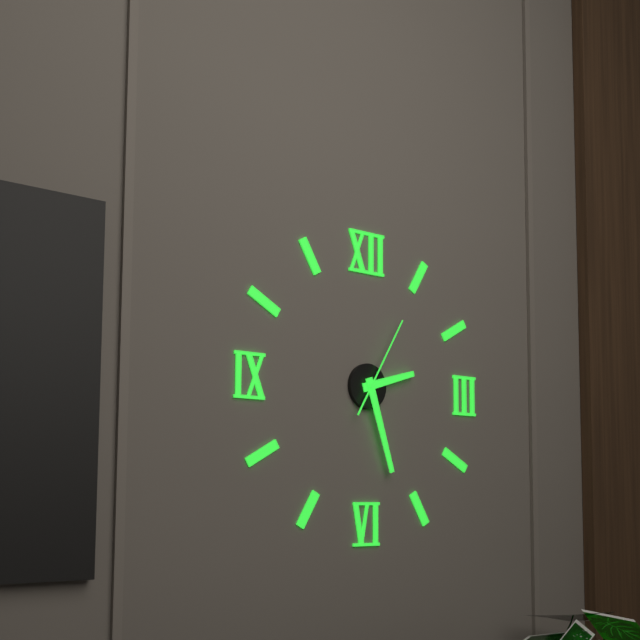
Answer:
2 h 27 min 05 s
